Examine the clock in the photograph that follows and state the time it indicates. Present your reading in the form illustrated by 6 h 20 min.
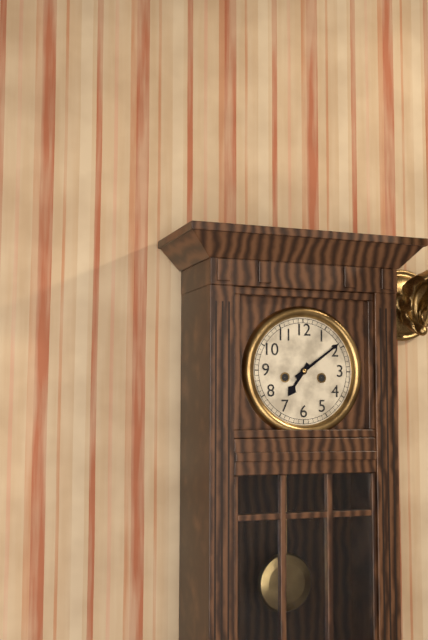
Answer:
7 h 09 min
